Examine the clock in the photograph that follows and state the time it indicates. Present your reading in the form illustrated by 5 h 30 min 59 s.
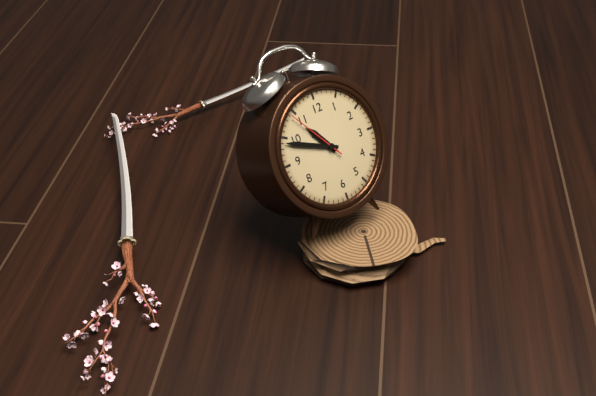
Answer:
10 h 49 min 54 s
